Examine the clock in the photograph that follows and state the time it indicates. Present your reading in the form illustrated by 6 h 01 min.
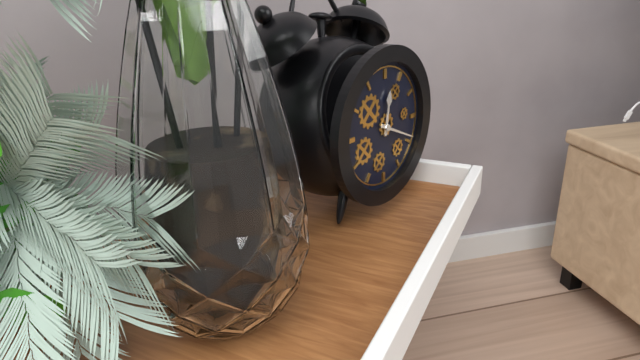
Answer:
12 h 19 min
